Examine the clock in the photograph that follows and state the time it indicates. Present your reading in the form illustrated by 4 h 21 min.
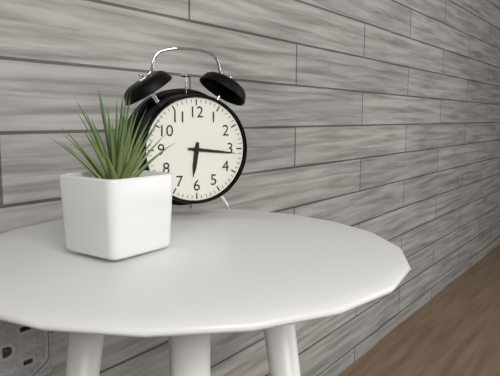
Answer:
6 h 16 min
